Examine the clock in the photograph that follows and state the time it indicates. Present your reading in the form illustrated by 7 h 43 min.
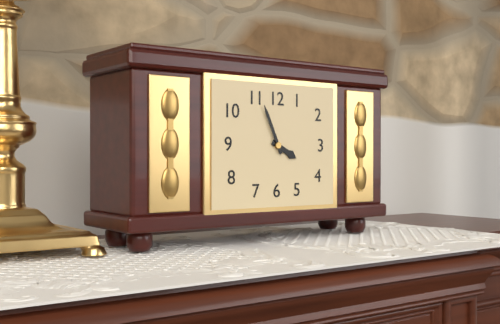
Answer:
3 h 56 min
